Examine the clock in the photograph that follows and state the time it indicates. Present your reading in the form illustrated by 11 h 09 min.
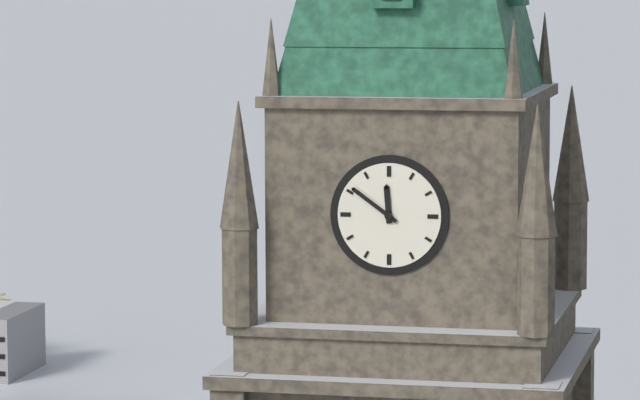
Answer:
11 h 51 min
